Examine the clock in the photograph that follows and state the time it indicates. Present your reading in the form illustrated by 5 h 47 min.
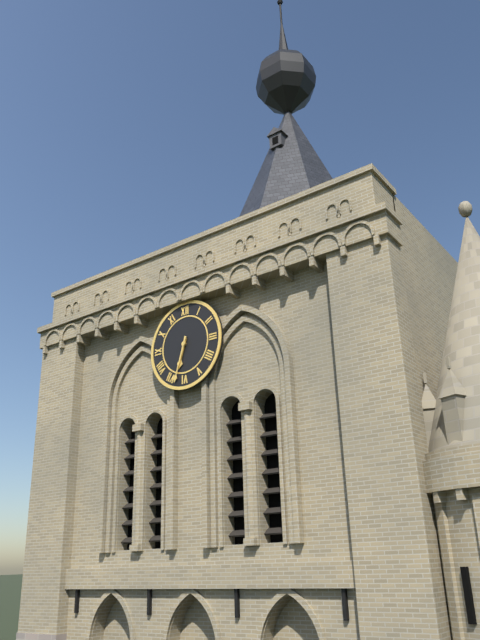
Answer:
6 h 33 min
